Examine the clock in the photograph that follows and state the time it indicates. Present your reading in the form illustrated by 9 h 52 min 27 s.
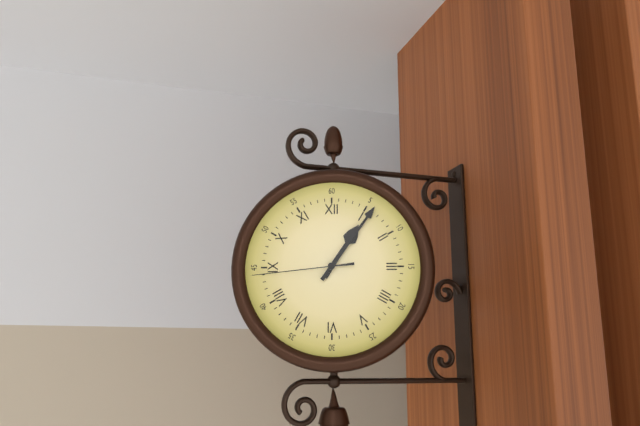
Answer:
1 h 06 min 44 s
